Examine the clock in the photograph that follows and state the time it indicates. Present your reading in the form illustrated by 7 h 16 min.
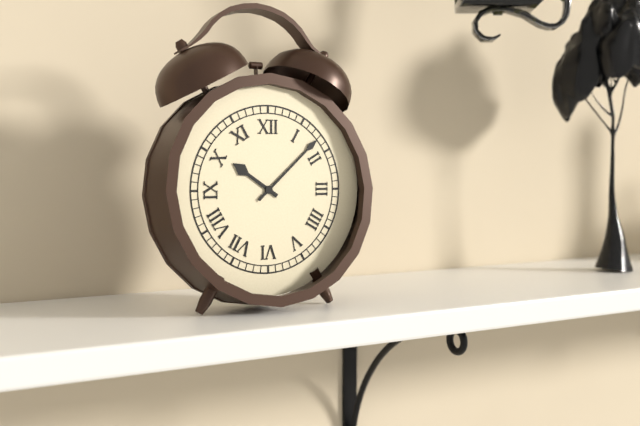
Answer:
10 h 08 min
